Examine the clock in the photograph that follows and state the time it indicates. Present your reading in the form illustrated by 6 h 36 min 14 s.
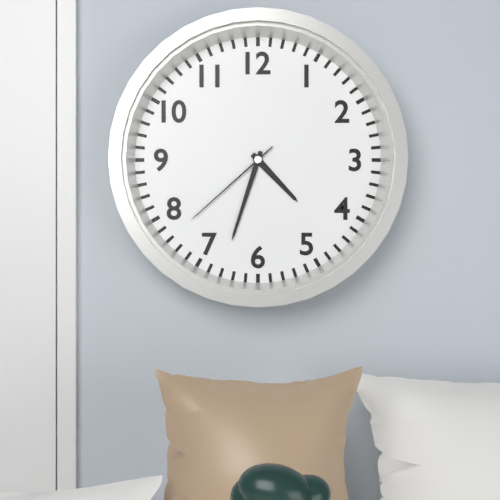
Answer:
4 h 33 min 38 s
